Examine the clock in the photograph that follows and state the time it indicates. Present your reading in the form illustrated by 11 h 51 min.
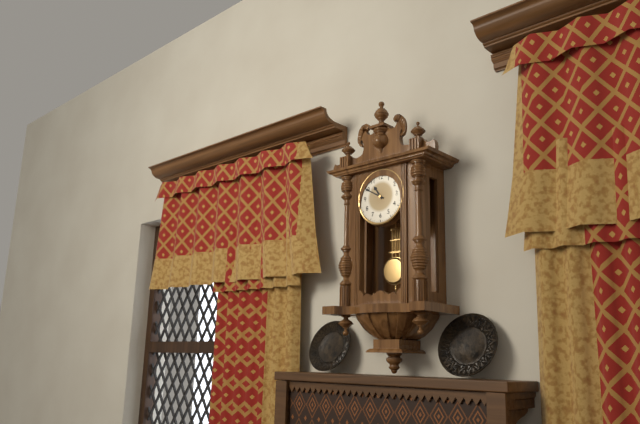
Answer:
10 h 50 min
